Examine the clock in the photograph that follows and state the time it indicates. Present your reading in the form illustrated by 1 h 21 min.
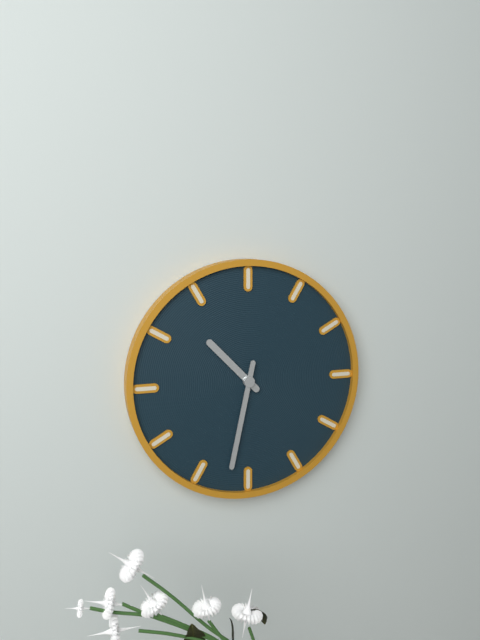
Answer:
10 h 32 min
